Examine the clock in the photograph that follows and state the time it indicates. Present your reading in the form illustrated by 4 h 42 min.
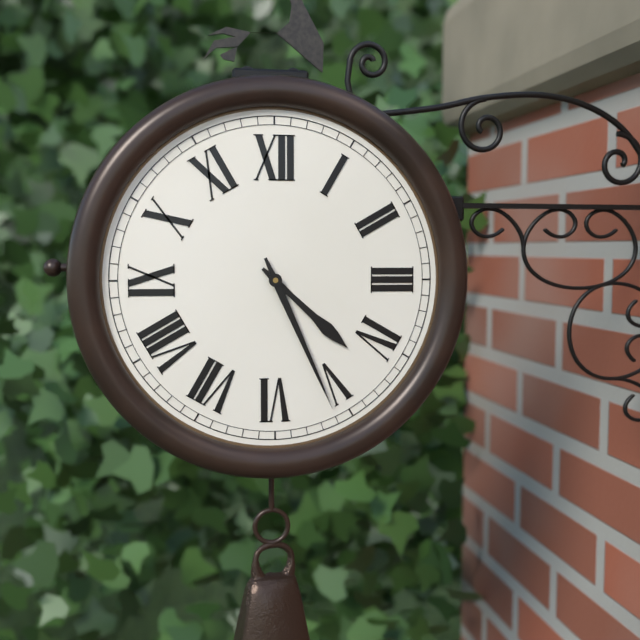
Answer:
4 h 26 min
